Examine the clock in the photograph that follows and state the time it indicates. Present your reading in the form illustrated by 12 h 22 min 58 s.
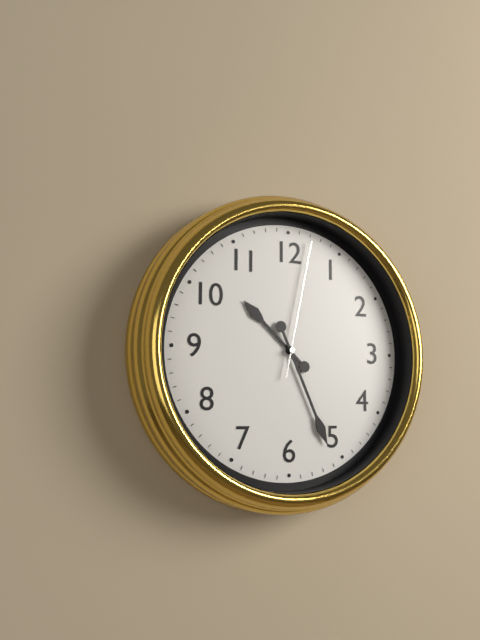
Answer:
10 h 26 min 02 s
